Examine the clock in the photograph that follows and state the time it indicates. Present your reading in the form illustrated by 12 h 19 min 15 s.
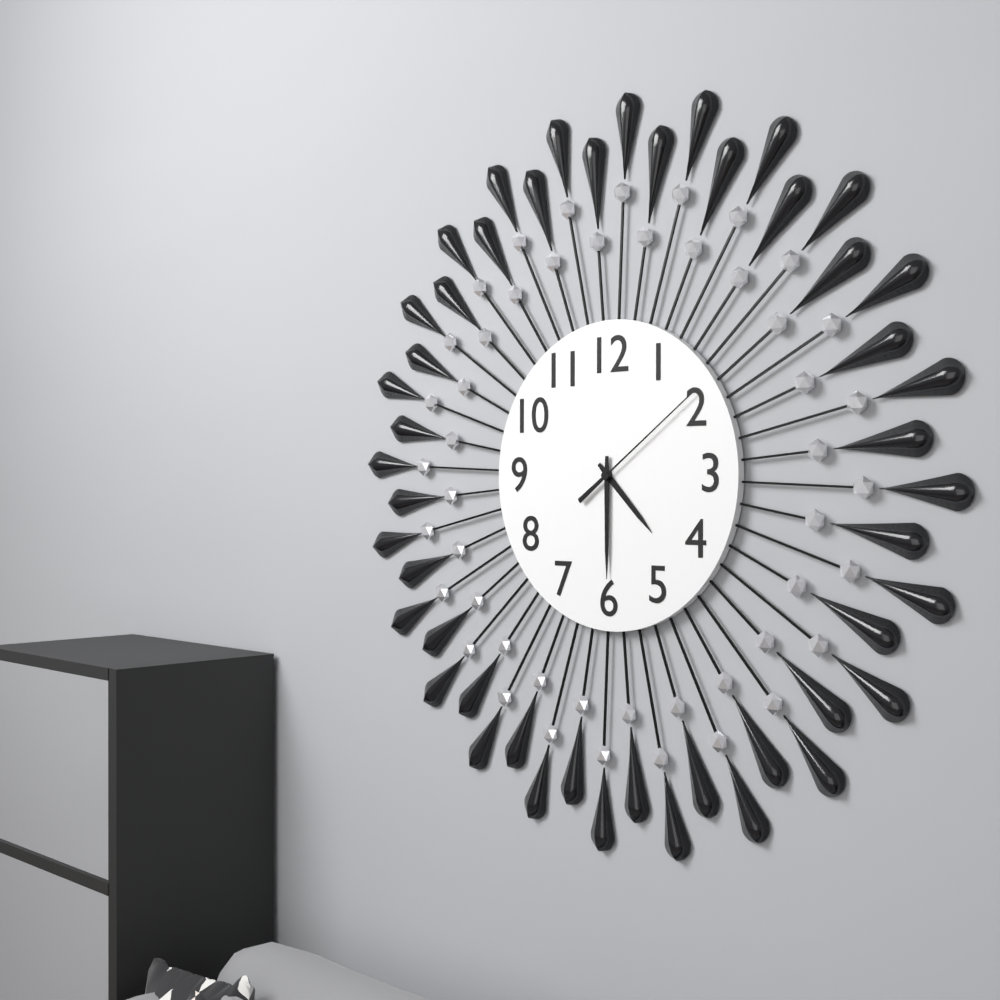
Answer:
4 h 30 min 09 s
